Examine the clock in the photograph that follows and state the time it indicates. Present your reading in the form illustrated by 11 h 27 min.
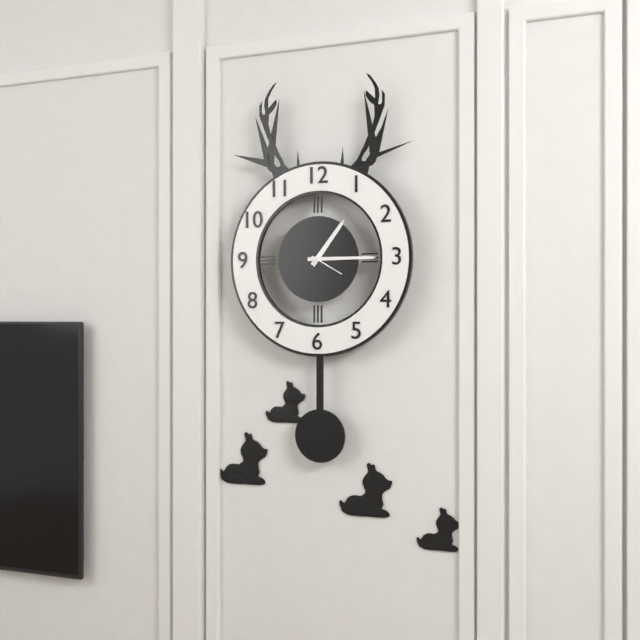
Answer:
1 h 15 min
